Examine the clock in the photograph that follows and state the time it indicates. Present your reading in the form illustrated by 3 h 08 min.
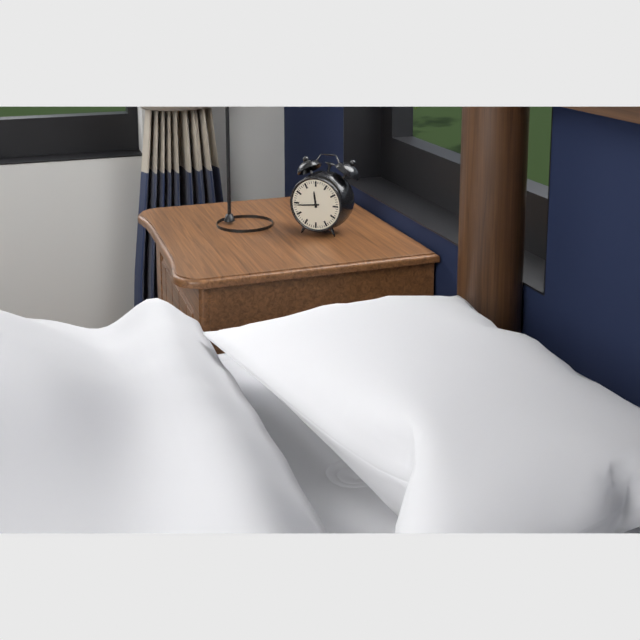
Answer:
11 h 44 min
